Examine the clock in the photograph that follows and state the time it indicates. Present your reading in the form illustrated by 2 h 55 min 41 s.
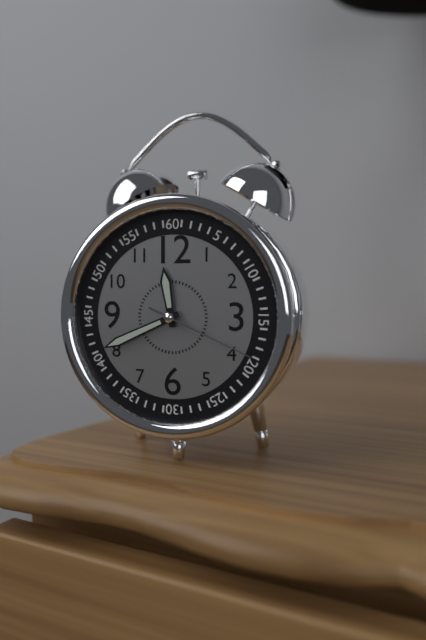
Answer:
11 h 41 min 19 s
